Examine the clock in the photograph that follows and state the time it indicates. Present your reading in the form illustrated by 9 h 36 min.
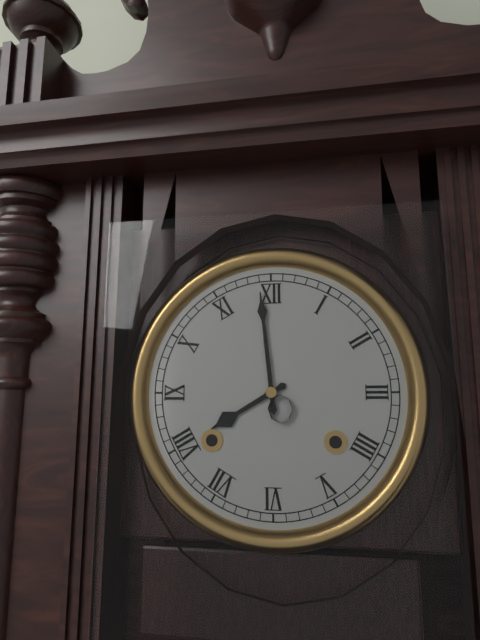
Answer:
7 h 59 min
